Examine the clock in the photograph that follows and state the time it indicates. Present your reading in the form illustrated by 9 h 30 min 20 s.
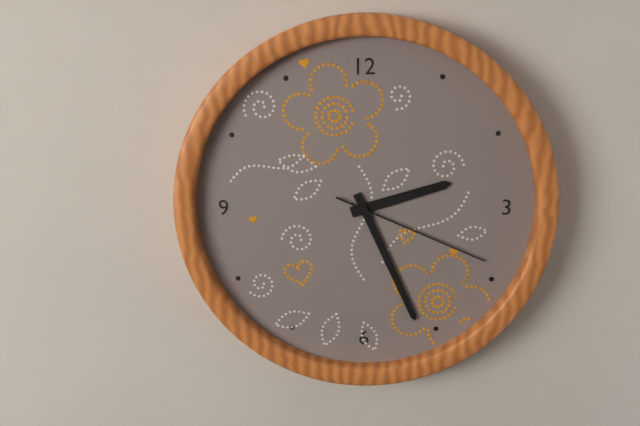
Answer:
2 h 26 min 19 s
